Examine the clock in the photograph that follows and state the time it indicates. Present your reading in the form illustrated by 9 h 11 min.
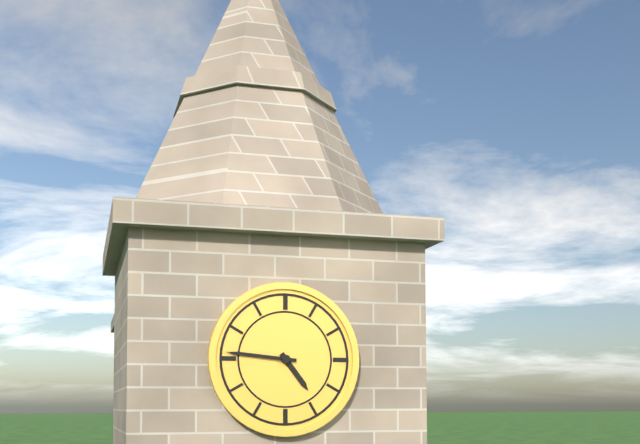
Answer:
4 h 46 min
